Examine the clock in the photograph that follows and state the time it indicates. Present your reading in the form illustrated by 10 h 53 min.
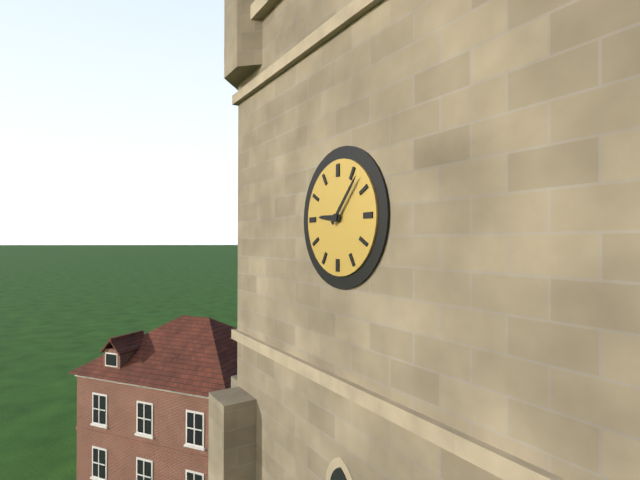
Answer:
9 h 07 min
